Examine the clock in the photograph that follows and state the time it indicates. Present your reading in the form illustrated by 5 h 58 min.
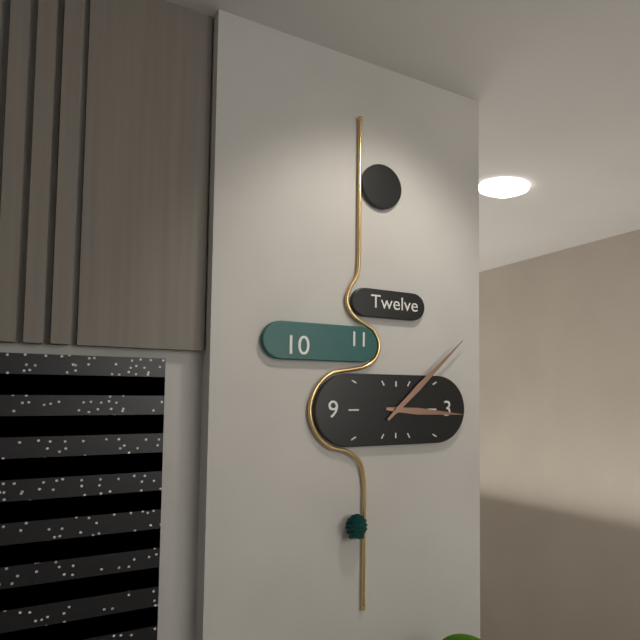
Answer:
3 h 08 min
